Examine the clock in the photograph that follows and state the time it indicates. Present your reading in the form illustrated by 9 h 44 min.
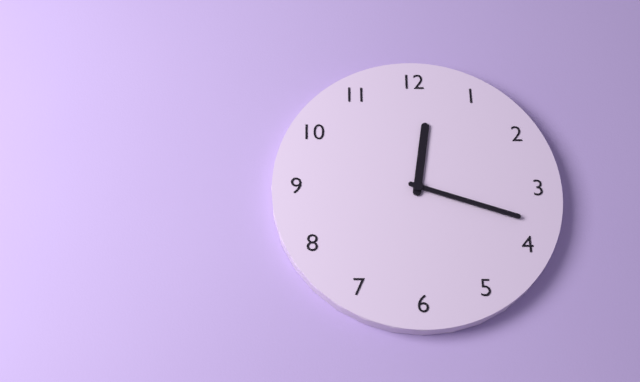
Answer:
12 h 18 min
